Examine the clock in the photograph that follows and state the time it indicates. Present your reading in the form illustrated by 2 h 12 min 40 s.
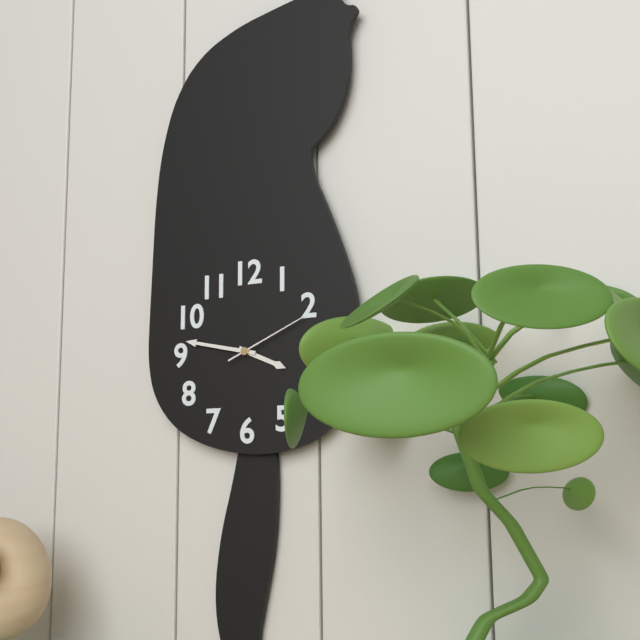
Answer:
3 h 47 min 11 s
